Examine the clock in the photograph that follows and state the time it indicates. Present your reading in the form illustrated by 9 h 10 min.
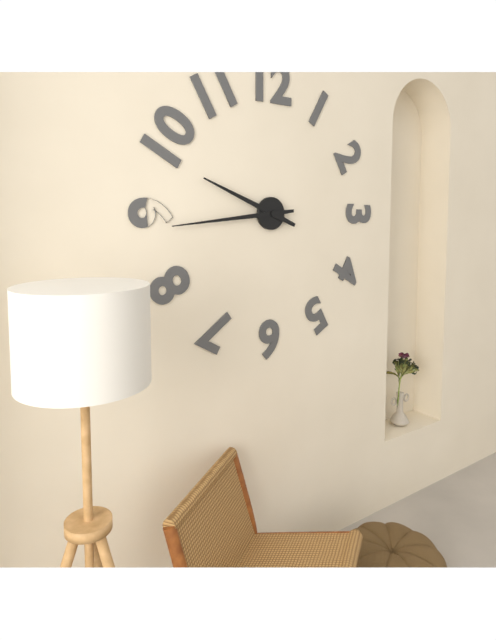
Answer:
9 h 44 min
